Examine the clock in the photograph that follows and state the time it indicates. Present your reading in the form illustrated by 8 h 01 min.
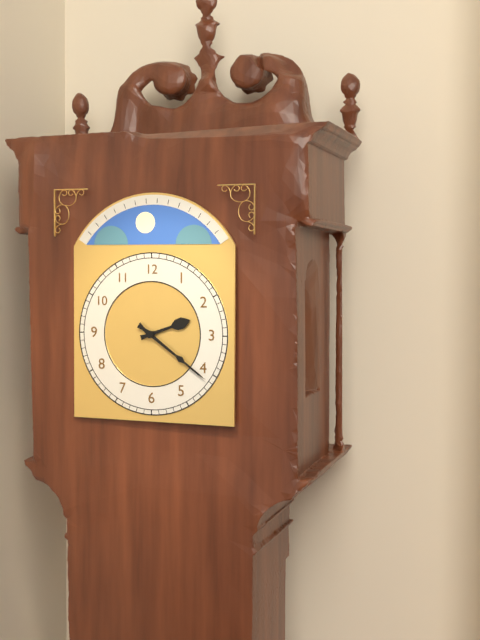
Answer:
2 h 21 min
